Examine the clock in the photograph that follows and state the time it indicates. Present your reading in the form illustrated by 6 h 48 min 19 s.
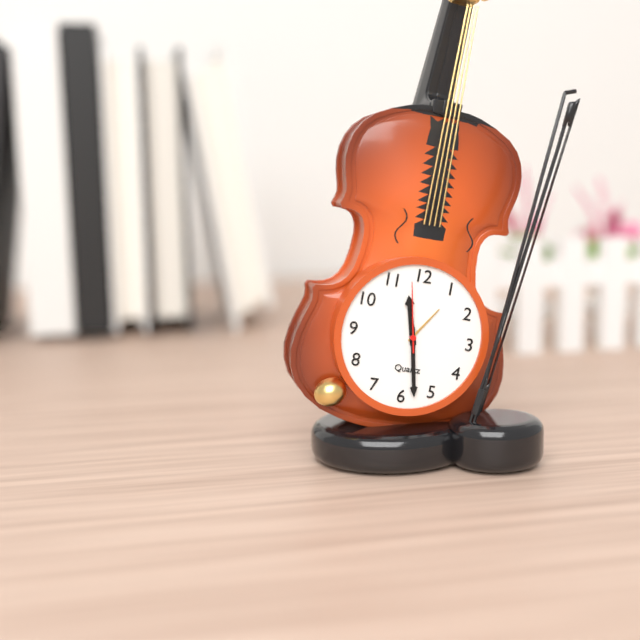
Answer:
11 h 28 min 58 s
